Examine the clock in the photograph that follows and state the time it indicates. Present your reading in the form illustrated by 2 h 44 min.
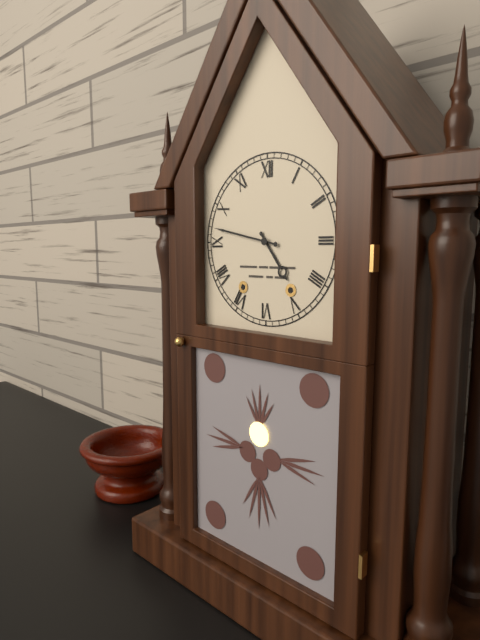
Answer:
4 h 47 min
